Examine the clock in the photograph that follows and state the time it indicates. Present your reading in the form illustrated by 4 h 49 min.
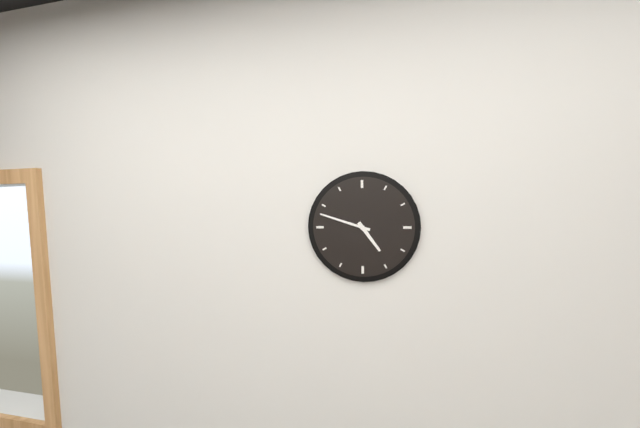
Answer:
4 h 48 min
